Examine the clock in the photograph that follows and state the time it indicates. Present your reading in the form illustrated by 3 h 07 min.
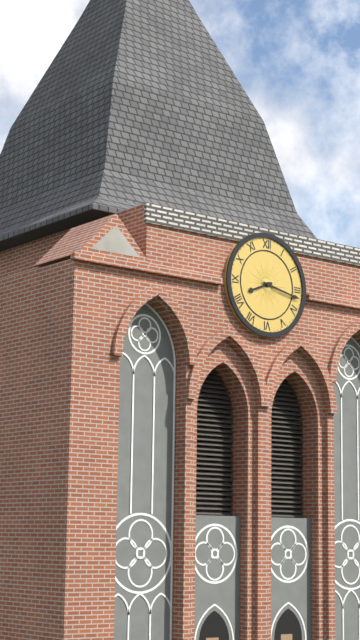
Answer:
8 h 17 min
